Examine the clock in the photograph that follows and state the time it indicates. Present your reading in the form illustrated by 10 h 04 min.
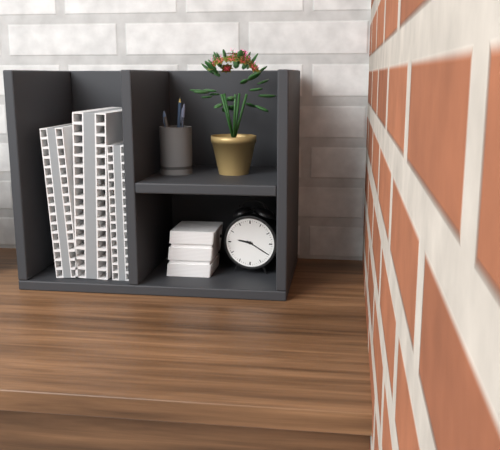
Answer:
9 h 20 min
